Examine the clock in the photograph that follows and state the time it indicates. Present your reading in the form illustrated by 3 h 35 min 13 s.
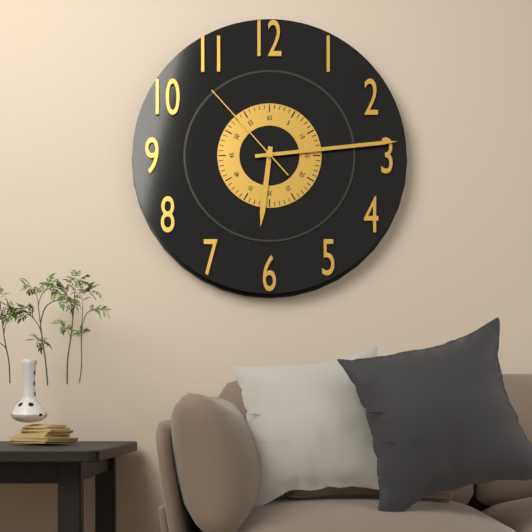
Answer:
6 h 14 min 53 s
